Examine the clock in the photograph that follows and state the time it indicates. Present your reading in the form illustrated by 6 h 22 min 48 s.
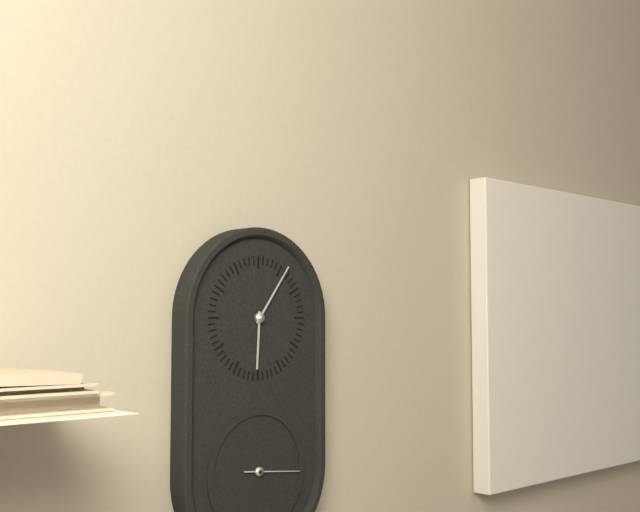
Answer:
6 h 06 min 16 s
